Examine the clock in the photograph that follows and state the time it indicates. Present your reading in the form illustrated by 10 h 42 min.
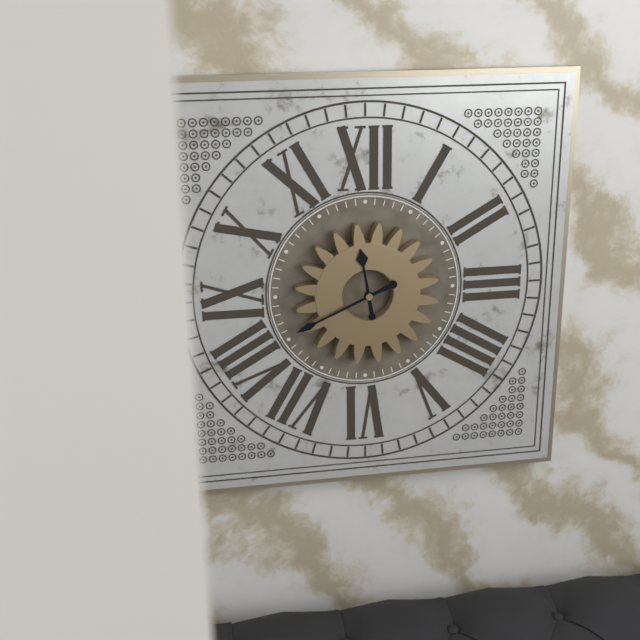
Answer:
11 h 41 min
